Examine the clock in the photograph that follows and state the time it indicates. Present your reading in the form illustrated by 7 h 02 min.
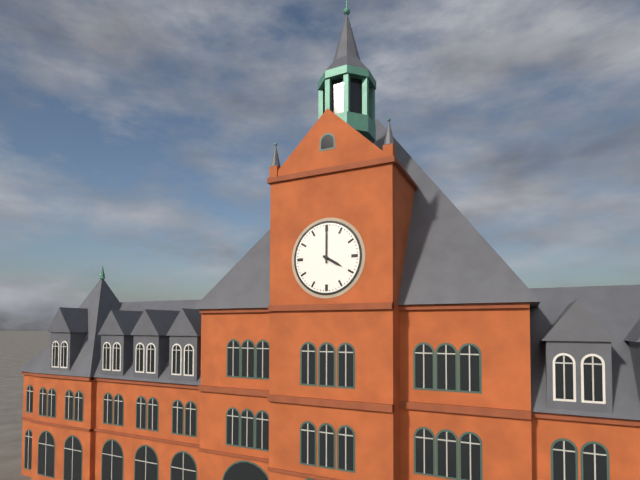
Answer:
4 h 00 min
